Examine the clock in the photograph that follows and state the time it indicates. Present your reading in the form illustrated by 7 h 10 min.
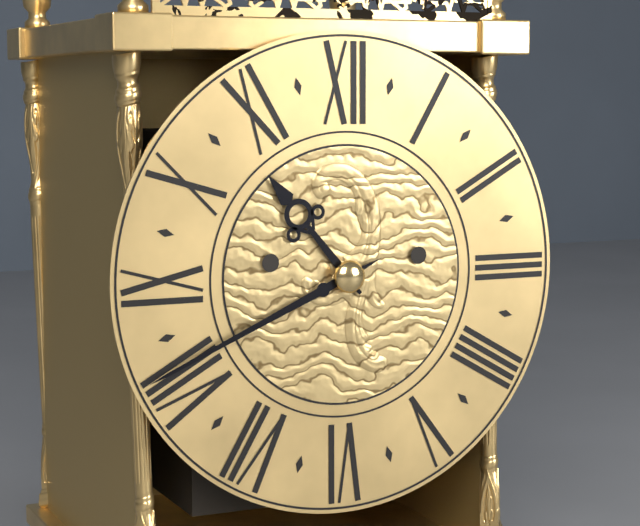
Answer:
10 h 41 min
